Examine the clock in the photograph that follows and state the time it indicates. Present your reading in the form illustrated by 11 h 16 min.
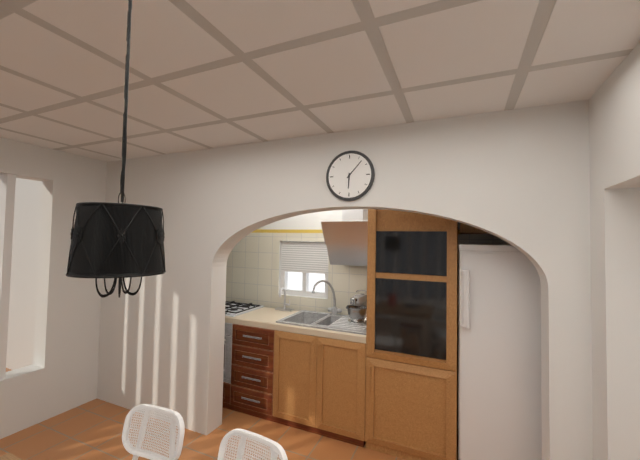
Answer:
6 h 07 min
